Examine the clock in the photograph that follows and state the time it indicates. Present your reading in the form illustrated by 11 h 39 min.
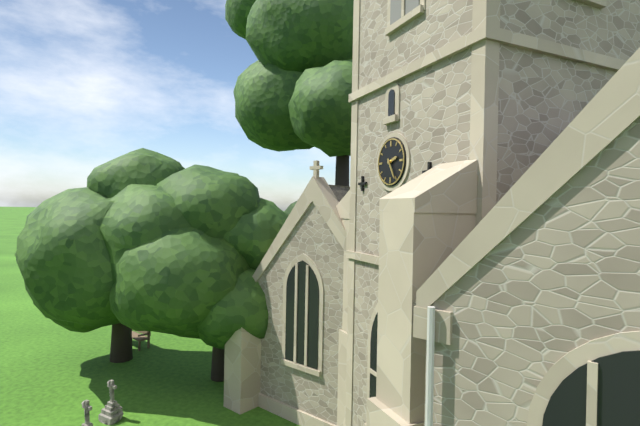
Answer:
2 h 25 min
